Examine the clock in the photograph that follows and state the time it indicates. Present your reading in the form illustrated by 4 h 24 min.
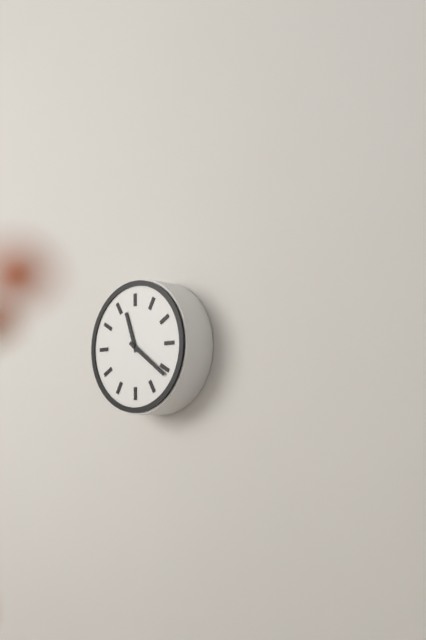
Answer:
11 h 21 min
